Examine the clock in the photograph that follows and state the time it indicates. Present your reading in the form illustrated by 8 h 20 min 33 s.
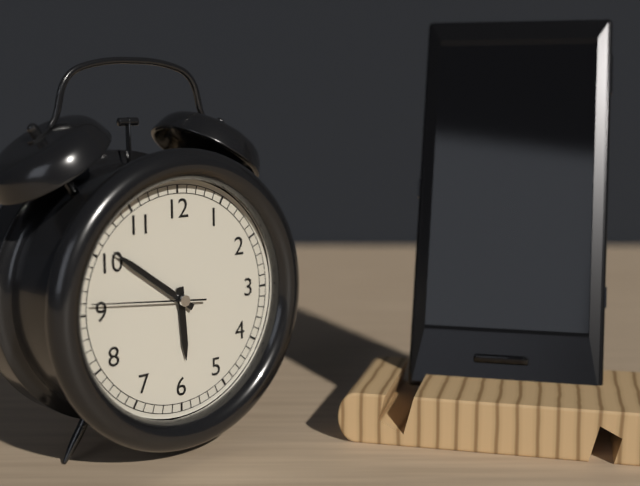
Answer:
5 h 51 min 46 s
